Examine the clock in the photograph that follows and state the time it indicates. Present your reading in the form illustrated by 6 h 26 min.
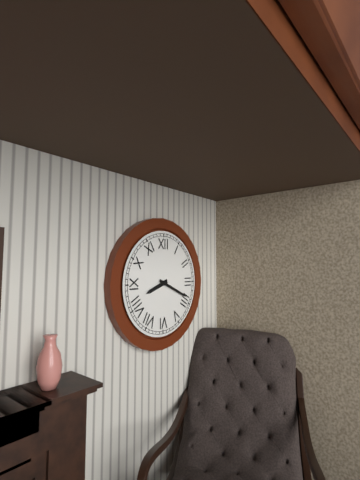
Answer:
8 h 19 min
